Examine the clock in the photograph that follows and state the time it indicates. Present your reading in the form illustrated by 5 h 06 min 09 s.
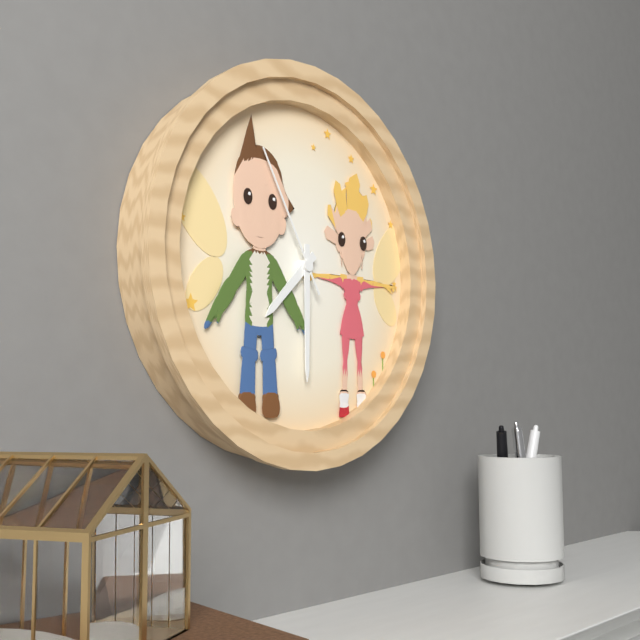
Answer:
7 h 30 min 55 s
